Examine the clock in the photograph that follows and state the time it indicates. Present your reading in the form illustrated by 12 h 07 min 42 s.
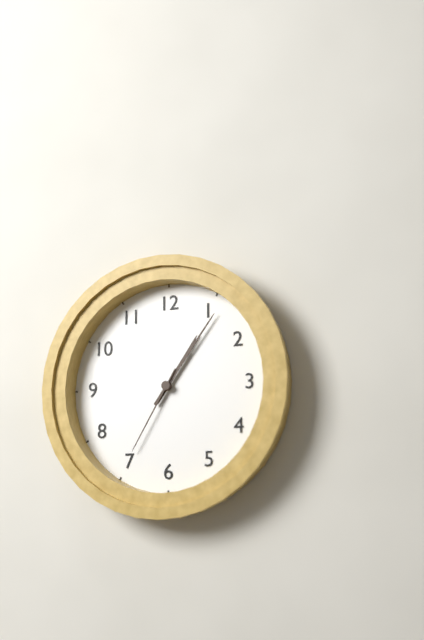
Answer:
1 h 06 min 35 s
